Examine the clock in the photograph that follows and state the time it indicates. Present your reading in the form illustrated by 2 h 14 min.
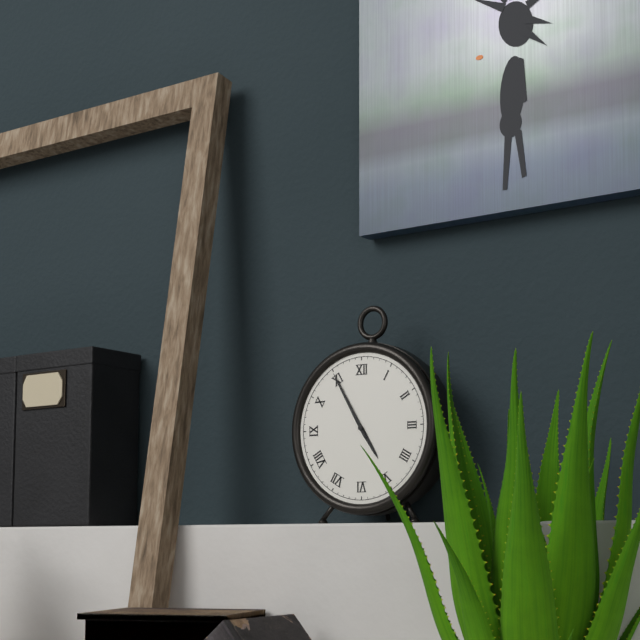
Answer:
4 h 55 min
